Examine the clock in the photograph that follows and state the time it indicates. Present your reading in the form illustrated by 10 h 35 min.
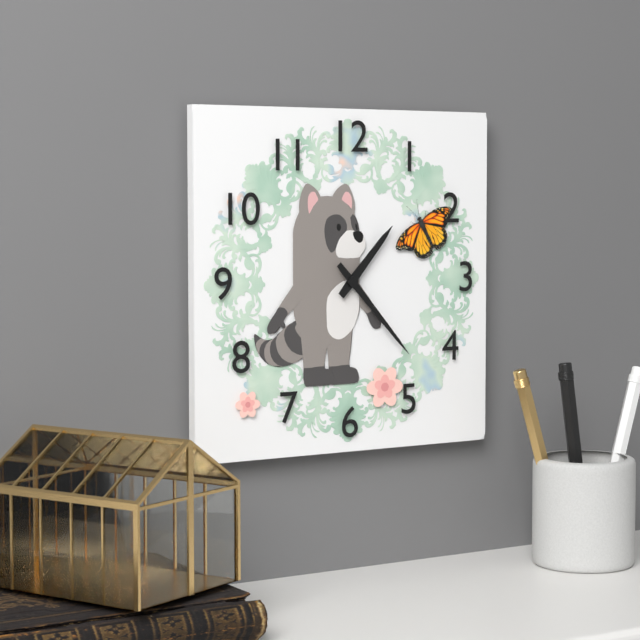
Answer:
1 h 23 min
